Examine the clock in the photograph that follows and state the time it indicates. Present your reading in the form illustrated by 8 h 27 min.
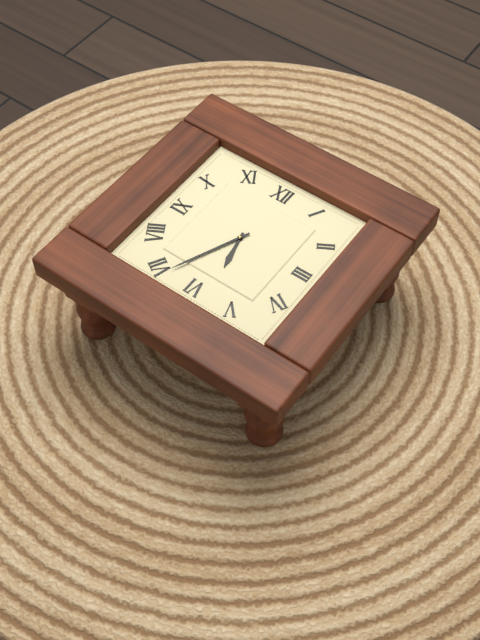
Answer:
5 h 34 min
